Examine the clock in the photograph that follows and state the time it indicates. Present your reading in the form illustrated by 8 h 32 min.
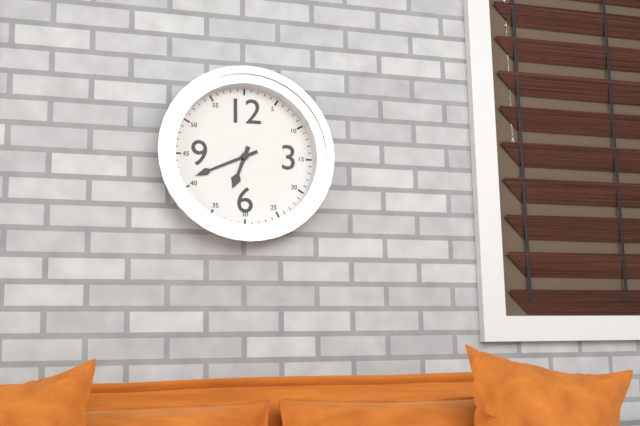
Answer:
6 h 41 min
